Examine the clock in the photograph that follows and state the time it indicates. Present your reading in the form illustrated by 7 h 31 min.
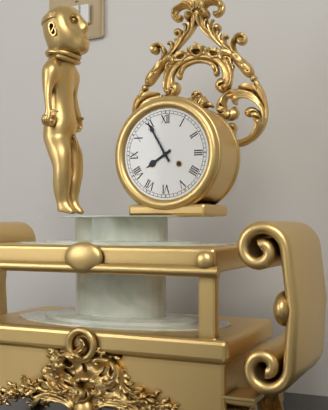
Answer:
7 h 55 min
